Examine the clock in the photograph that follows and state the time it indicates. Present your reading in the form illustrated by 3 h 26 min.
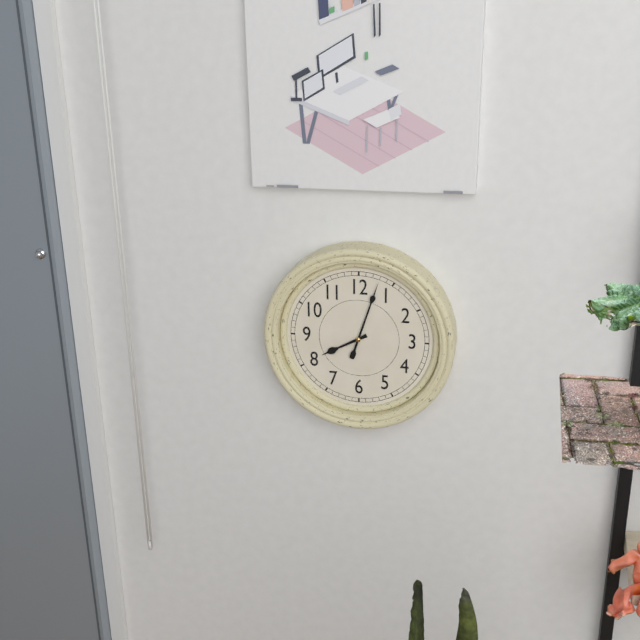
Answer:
8 h 03 min
